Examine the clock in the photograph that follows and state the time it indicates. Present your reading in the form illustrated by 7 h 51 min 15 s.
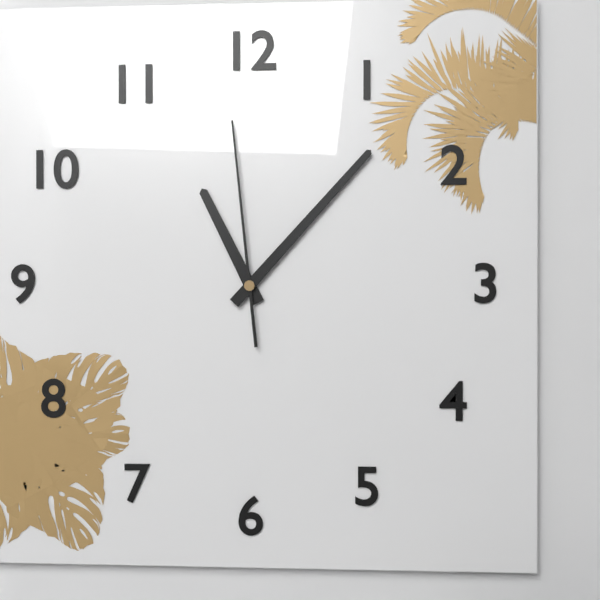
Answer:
11 h 07 min 59 s
